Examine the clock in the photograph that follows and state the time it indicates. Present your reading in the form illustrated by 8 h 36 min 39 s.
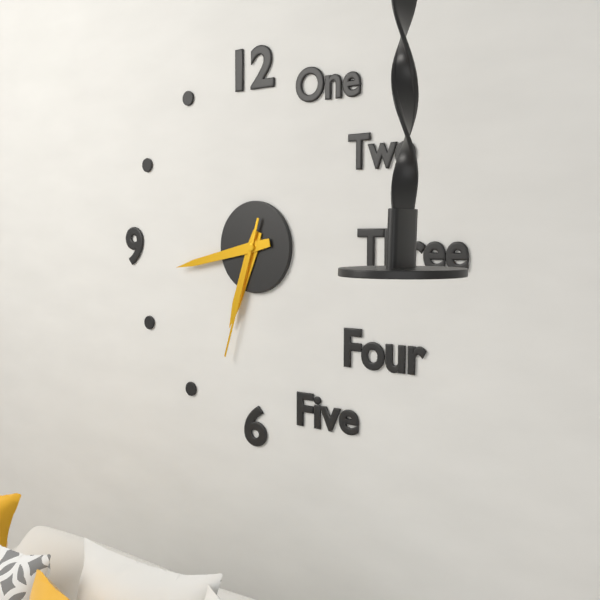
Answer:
6 h 43 min 33 s
